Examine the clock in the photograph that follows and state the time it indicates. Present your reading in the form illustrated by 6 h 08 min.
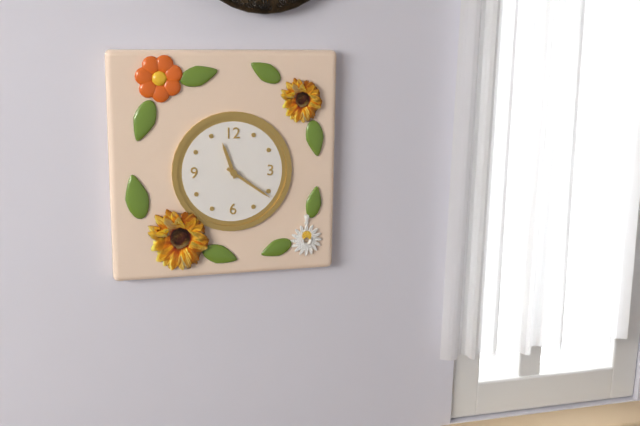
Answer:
11 h 21 min
